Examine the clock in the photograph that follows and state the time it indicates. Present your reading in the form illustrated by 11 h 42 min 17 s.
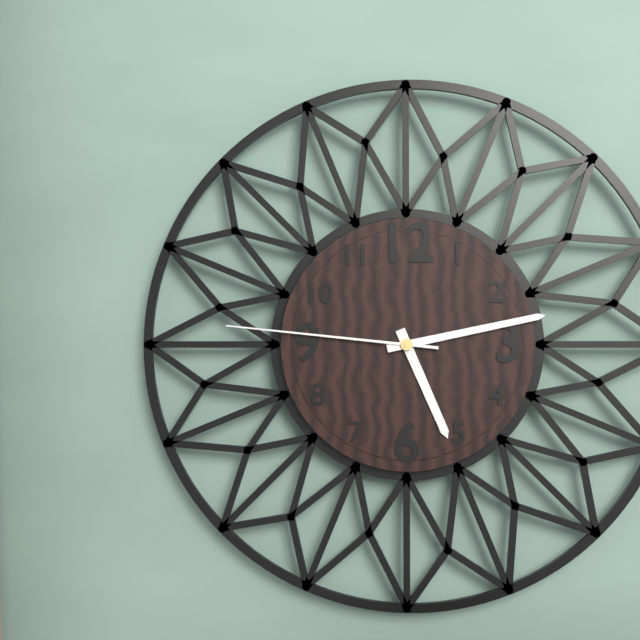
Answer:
5 h 13 min 46 s
